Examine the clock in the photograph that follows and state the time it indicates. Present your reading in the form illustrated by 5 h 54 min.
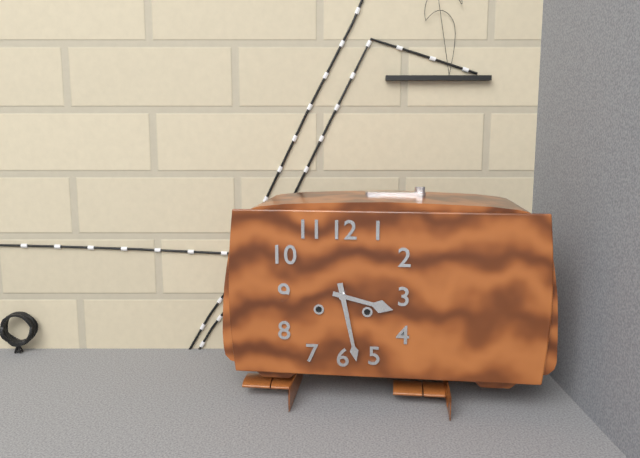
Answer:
3 h 28 min
